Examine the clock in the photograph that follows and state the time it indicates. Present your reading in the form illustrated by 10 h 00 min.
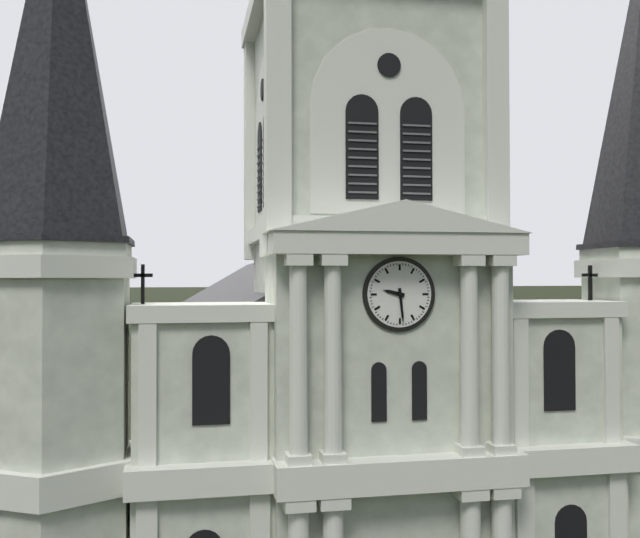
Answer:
9 h 29 min
